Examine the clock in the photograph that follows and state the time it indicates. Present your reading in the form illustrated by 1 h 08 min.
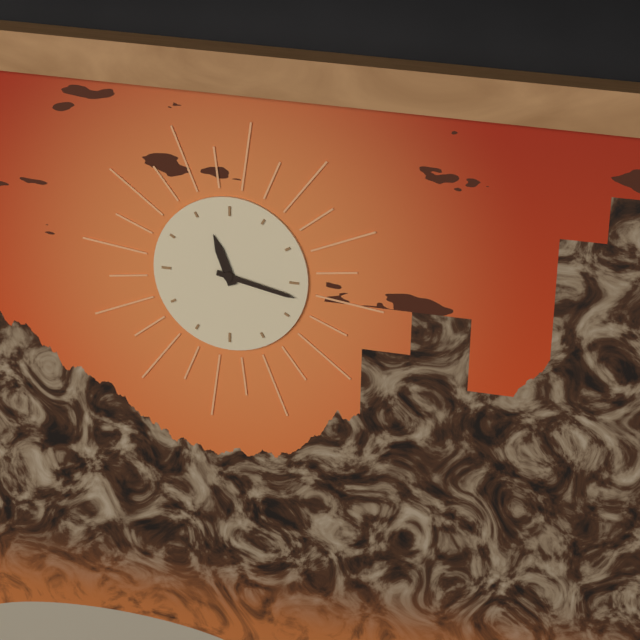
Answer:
11 h 17 min
